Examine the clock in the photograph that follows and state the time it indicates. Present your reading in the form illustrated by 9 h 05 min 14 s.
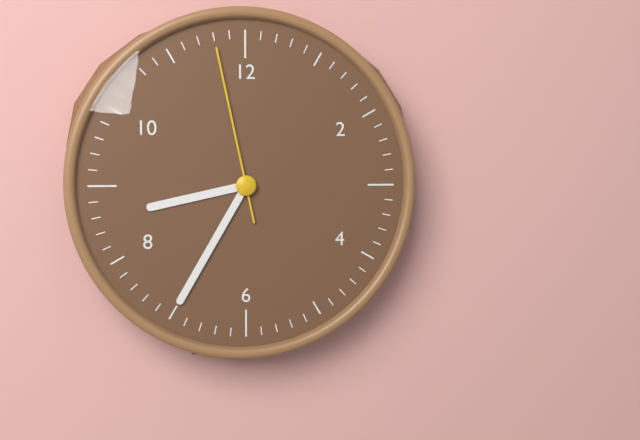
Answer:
8 h 35 min 58 s
